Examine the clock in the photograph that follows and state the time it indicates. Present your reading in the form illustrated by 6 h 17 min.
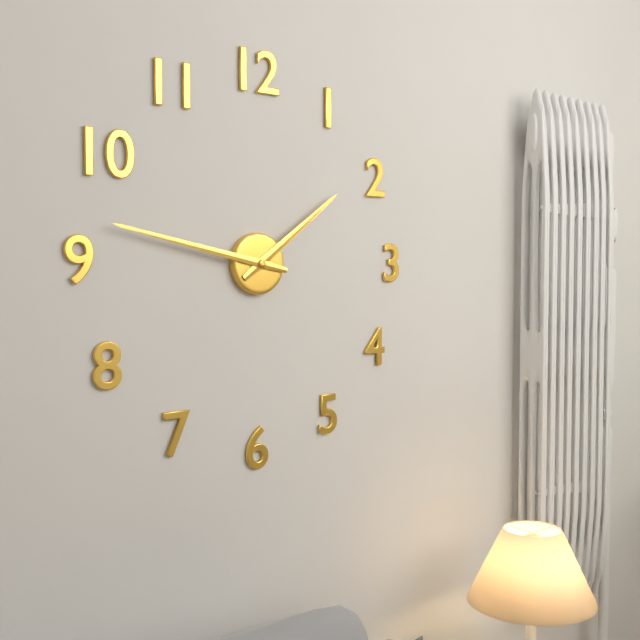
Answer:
1 h 47 min
